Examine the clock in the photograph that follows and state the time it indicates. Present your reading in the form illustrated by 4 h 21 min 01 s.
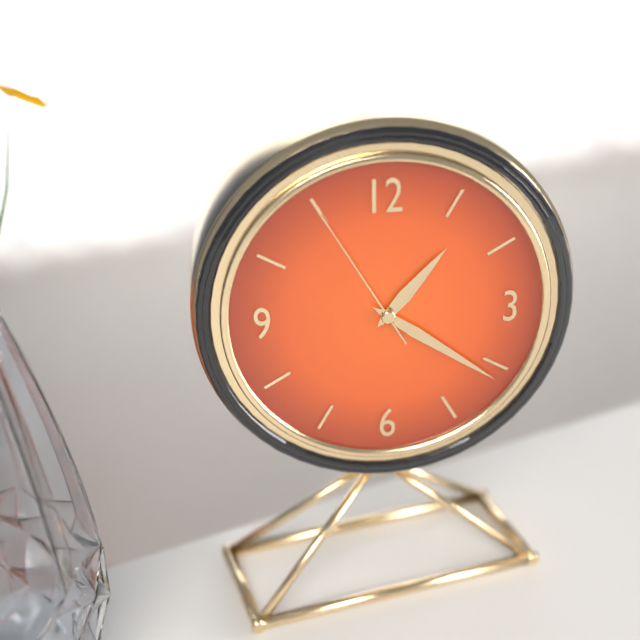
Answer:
1 h 21 min 55 s
